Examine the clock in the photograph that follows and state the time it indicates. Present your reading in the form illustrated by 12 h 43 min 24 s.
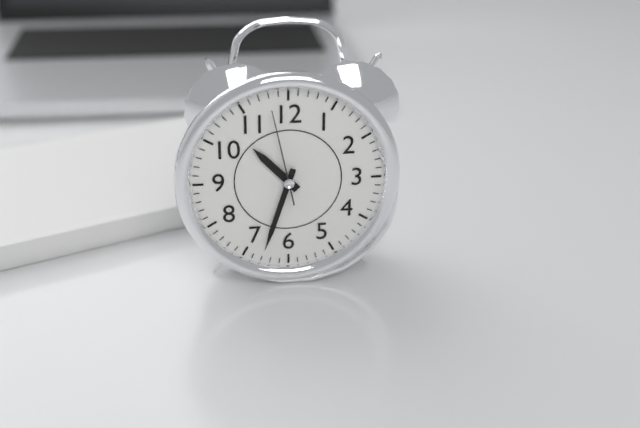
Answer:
10 h 33 min 58 s
